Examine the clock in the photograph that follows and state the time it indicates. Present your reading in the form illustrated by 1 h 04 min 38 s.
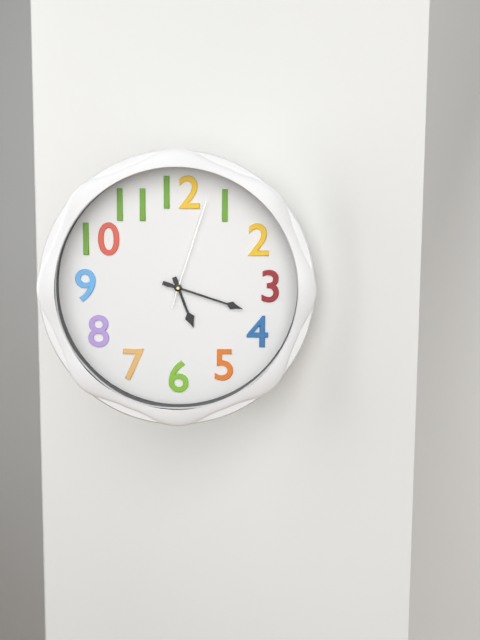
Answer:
5 h 18 min 03 s
